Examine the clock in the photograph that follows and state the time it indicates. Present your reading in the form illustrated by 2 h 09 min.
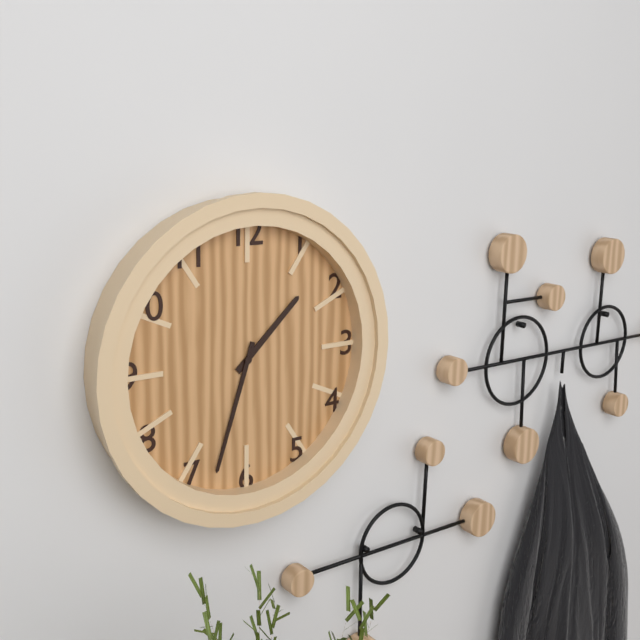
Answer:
1 h 33 min
